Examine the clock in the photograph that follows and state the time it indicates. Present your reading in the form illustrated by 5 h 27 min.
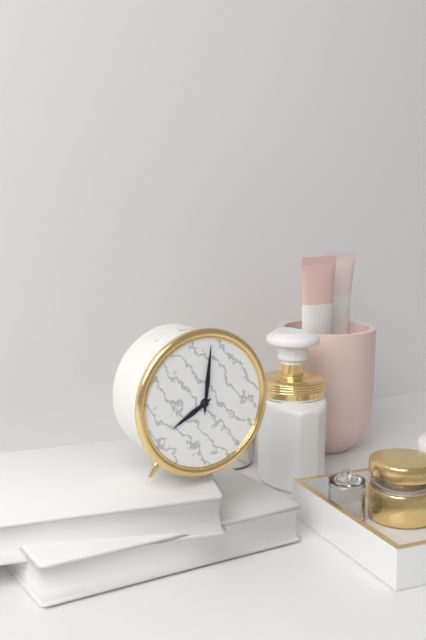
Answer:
8 h 01 min
